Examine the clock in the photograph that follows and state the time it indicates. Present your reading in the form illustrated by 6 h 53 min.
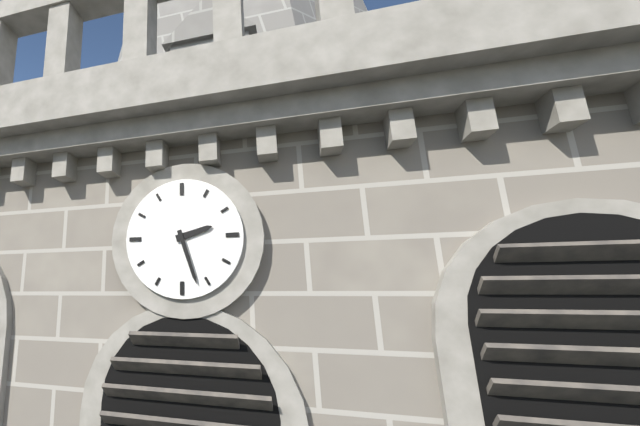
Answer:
2 h 27 min
